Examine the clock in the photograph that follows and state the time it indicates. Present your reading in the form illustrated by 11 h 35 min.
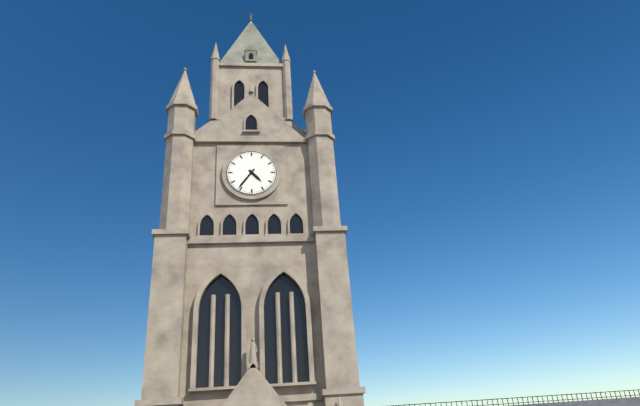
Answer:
4 h 36 min
